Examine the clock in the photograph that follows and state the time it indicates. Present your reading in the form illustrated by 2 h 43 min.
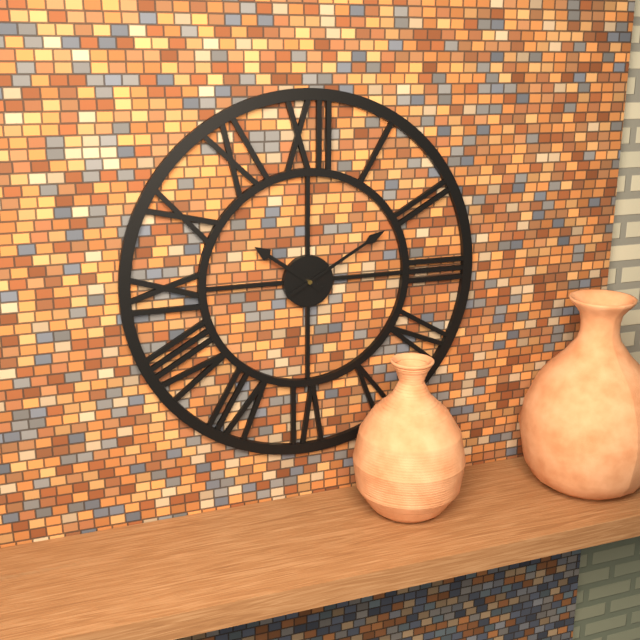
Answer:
10 h 10 min
